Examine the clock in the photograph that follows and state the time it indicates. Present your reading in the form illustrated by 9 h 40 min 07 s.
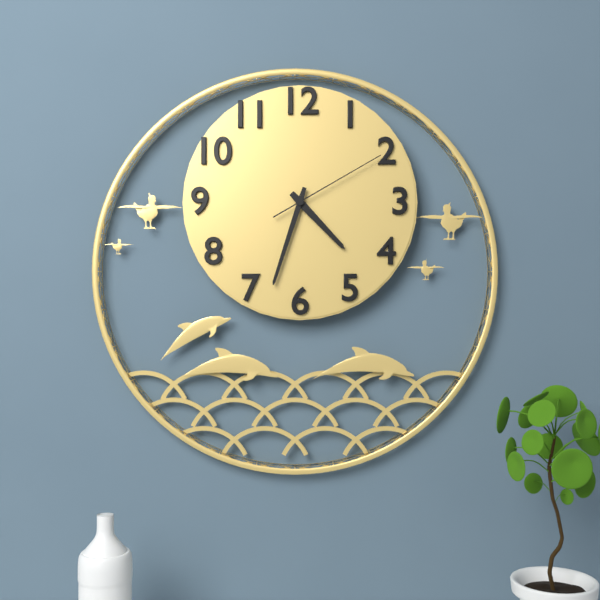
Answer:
4 h 33 min 10 s
